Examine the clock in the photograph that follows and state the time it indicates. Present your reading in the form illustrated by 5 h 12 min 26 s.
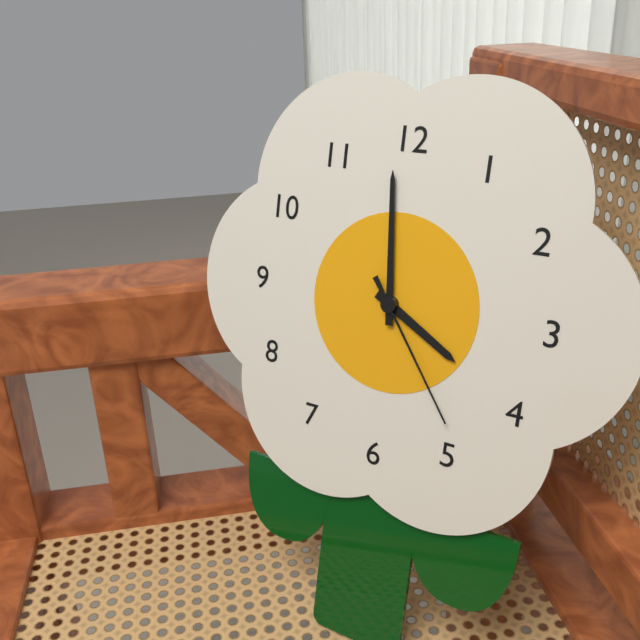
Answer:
3 h 59 min 24 s
